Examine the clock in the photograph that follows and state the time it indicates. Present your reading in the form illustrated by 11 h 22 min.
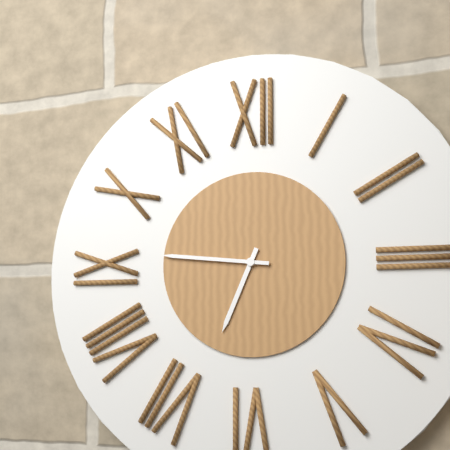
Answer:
6 h 46 min
